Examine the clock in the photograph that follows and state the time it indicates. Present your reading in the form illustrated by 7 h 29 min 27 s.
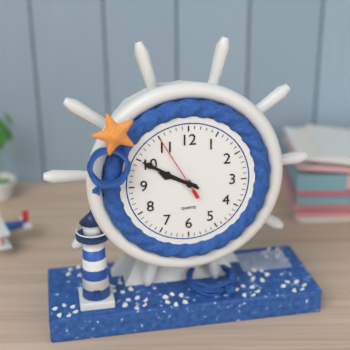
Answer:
9 h 50 min 55 s
